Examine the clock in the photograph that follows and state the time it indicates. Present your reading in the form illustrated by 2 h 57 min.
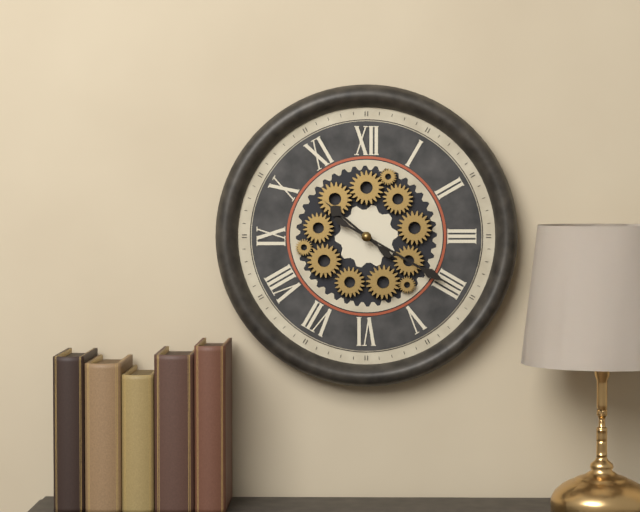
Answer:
10 h 20 min
